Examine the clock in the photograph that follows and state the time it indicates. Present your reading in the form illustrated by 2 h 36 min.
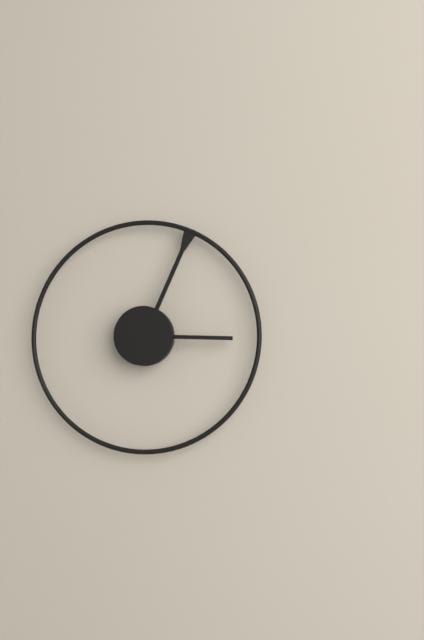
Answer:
3 h 04 min
